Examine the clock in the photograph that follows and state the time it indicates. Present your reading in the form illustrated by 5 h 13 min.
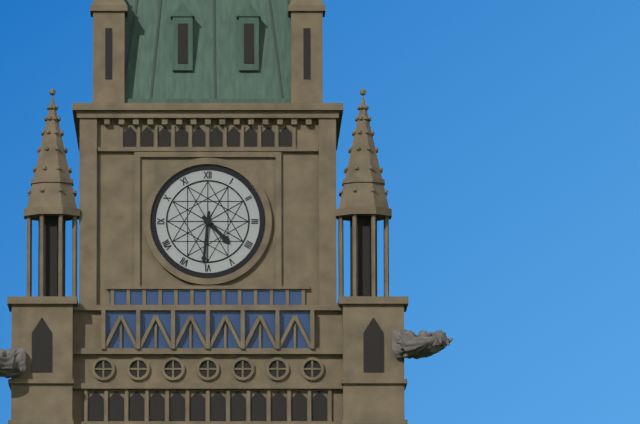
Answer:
4 h 31 min
